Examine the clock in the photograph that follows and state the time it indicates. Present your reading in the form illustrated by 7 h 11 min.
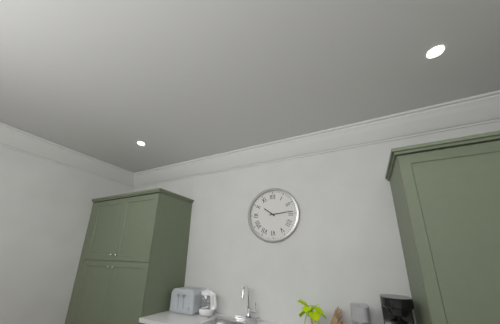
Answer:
10 h 14 min
